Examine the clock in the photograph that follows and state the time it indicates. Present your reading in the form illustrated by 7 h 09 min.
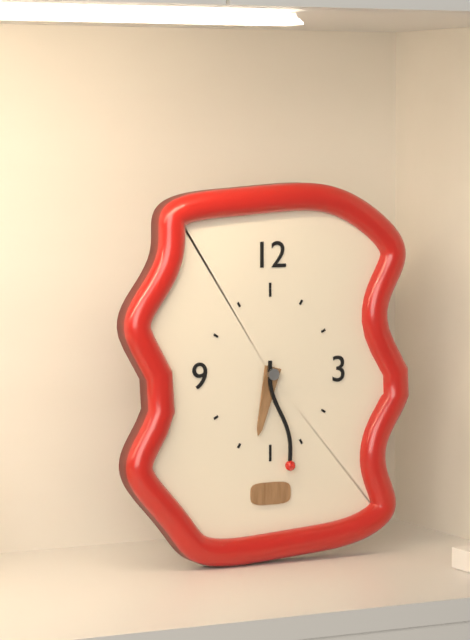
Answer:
6 h 28 min
